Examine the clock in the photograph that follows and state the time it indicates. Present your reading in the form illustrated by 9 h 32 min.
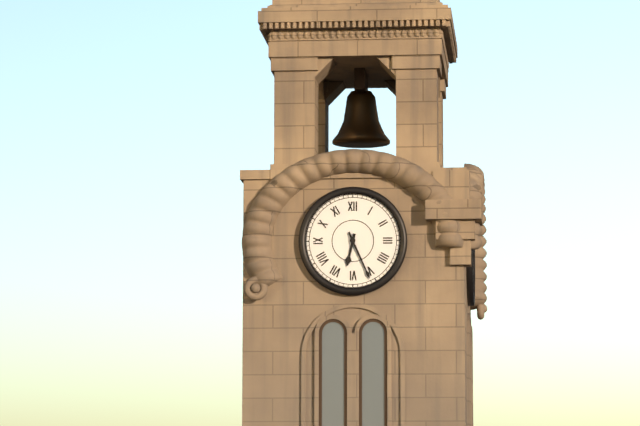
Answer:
6 h 26 min
